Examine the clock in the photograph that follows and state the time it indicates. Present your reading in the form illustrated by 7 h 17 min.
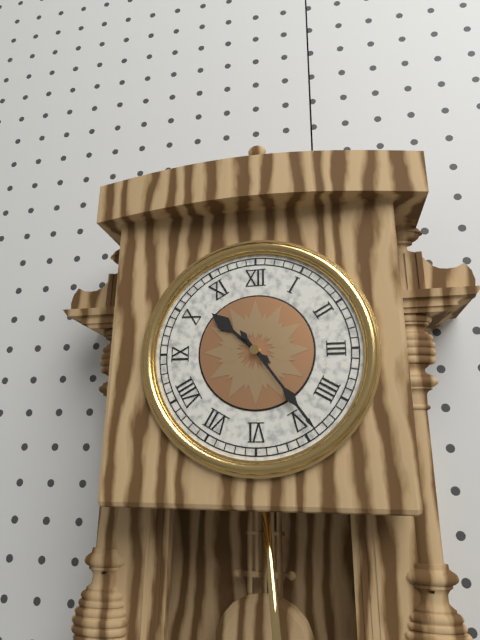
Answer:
10 h 24 min
